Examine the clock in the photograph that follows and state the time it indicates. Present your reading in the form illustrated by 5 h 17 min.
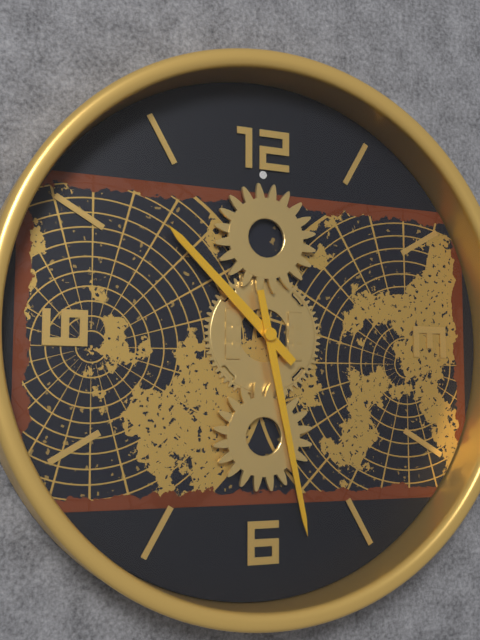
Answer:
10 h 28 min
